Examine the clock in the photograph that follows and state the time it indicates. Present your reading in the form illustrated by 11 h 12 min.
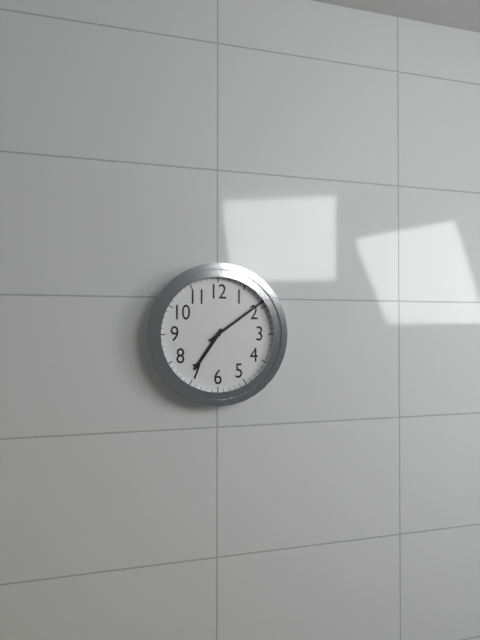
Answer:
7 h 09 min
